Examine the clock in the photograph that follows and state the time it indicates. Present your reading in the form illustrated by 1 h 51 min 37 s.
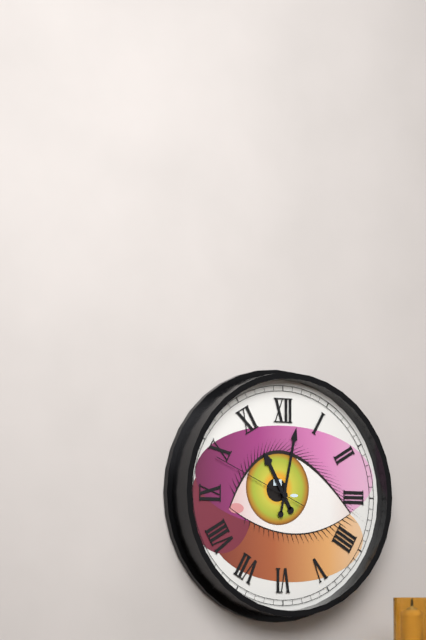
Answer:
11 h 02 min 49 s
